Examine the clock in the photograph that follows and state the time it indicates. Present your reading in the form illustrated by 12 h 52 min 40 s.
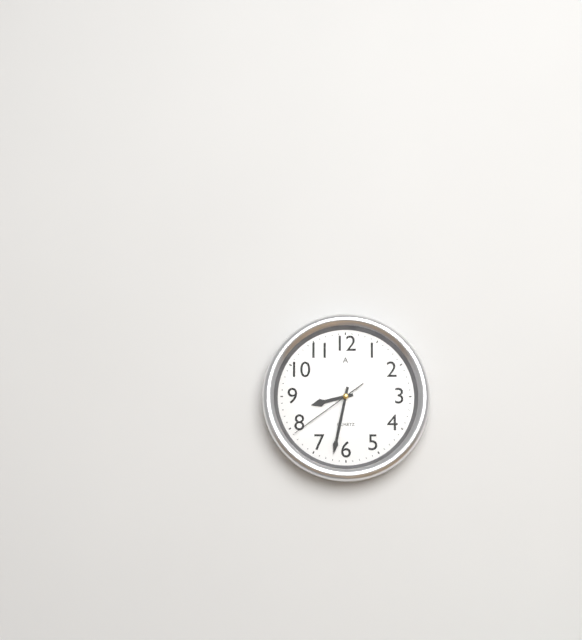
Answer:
8 h 32 min 39 s
